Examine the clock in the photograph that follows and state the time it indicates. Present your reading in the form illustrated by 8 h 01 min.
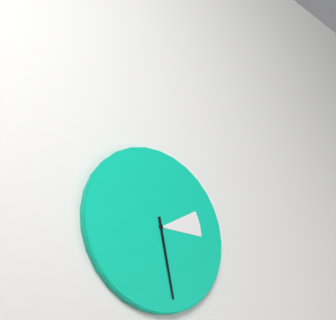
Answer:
2 h 28 min
